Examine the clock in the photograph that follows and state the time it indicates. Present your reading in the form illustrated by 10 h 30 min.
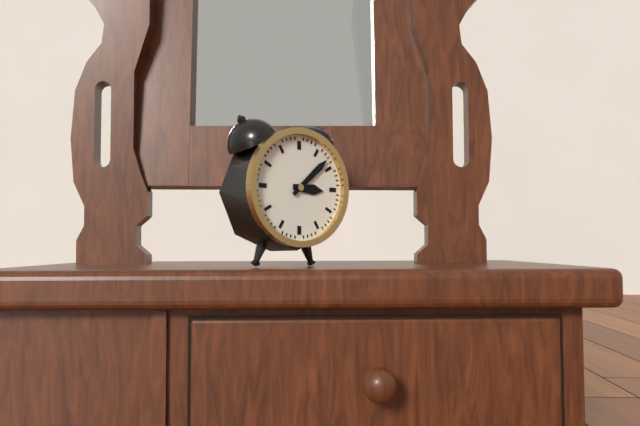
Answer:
3 h 08 min
